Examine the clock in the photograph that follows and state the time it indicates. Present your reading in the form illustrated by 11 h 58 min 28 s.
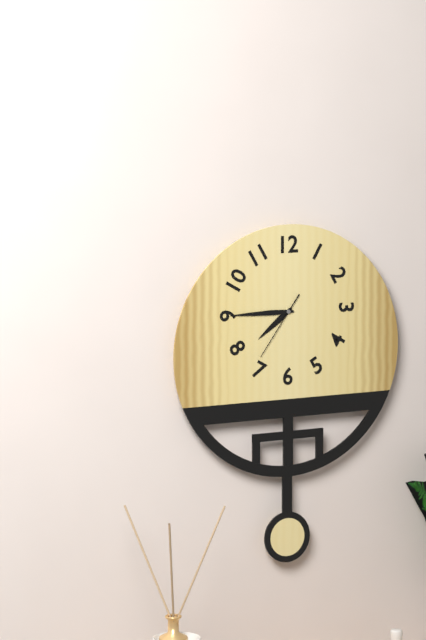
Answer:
7 h 45 min 36 s
